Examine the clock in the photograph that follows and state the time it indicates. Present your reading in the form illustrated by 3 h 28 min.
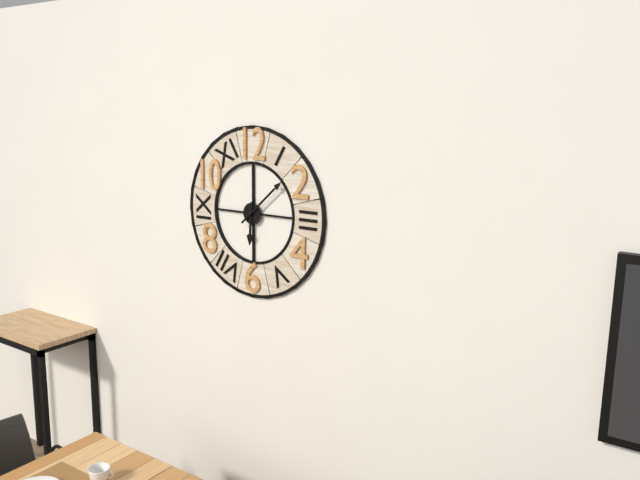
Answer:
6 h 08 min
